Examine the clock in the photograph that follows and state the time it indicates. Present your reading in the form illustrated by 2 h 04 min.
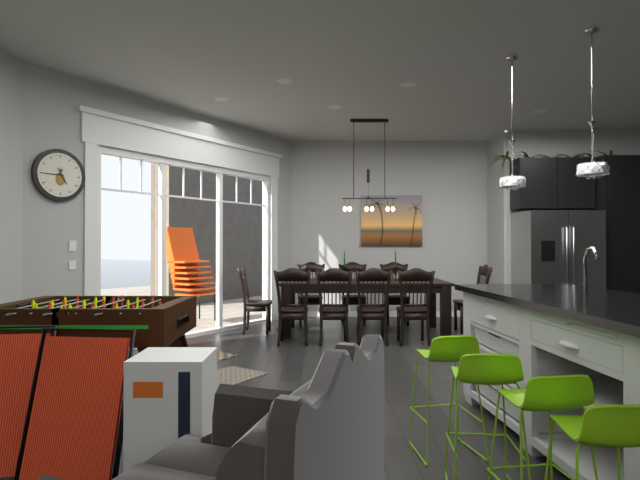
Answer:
4 h 45 min
